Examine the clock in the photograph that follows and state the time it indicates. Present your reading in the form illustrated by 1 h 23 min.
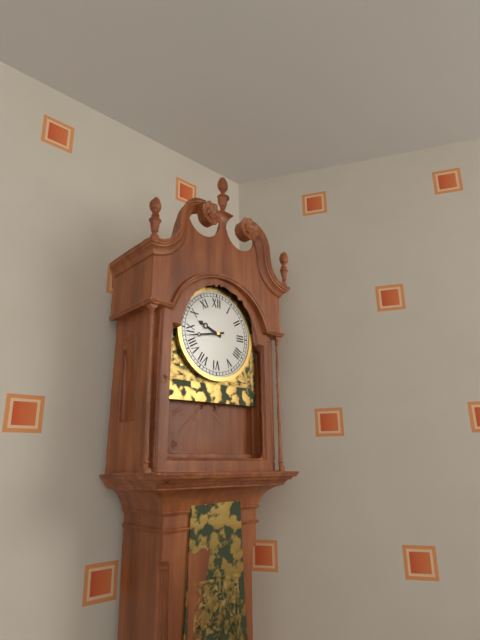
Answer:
9 h 43 min
